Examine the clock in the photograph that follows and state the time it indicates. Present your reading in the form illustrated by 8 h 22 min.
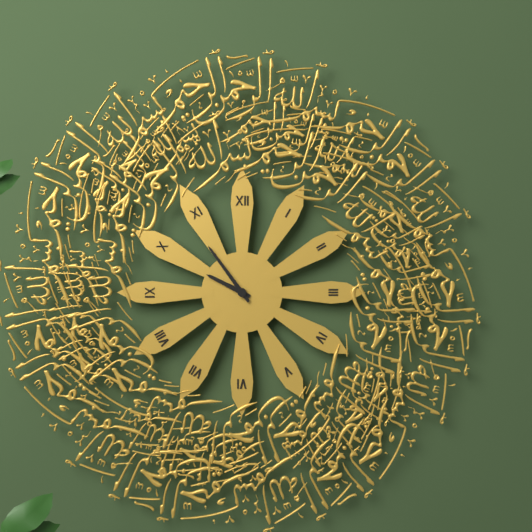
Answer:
9 h 54 min
